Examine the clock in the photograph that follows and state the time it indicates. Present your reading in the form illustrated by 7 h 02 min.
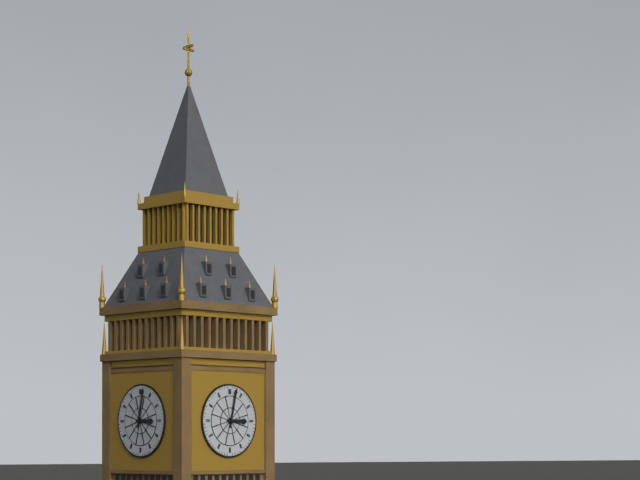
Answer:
3 h 02 min
